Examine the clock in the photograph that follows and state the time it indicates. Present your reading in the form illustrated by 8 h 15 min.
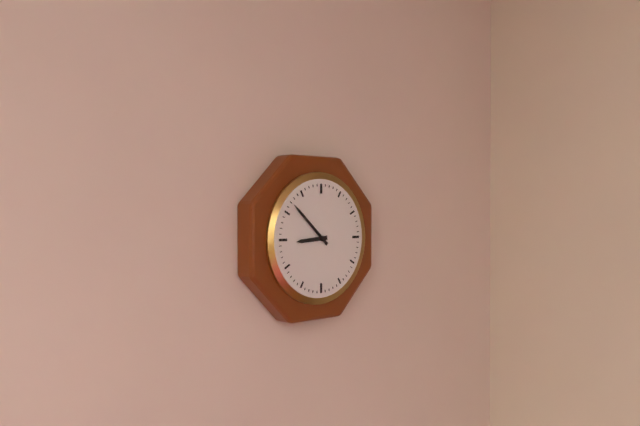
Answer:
8 h 52 min
